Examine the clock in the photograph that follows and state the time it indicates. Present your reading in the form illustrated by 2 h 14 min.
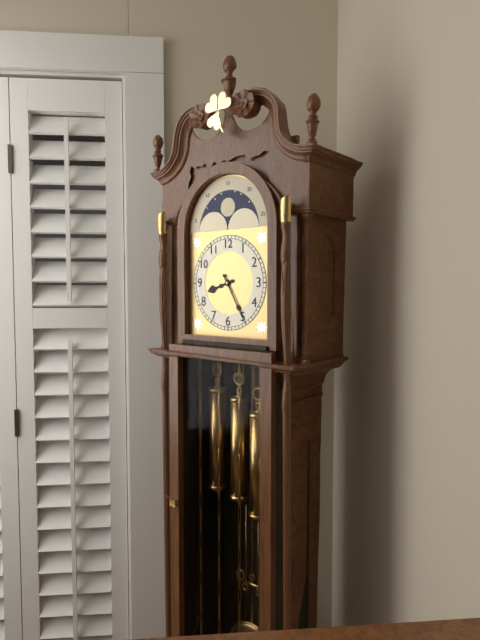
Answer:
8 h 25 min
